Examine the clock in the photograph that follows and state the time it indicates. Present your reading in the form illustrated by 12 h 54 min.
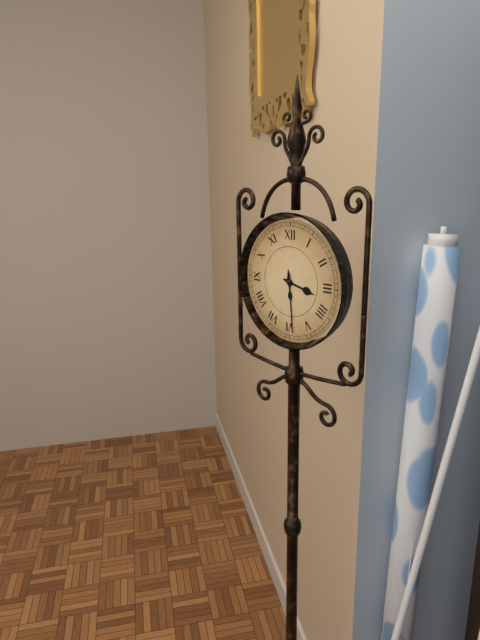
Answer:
3 h 29 min
